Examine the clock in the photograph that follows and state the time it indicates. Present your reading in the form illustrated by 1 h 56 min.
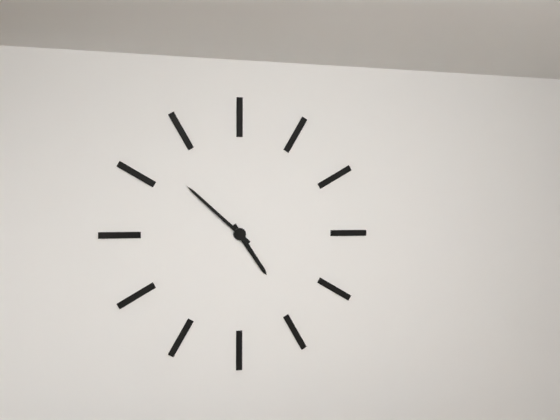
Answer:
4 h 52 min
